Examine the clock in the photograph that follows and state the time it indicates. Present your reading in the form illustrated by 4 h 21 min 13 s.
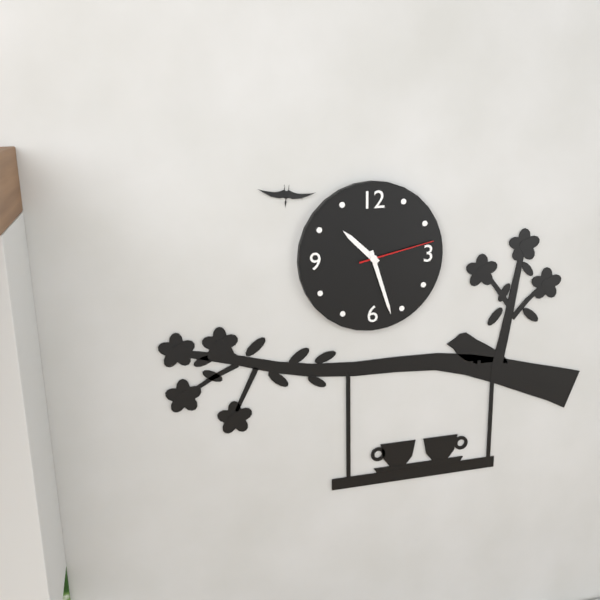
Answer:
10 h 27 min 13 s
